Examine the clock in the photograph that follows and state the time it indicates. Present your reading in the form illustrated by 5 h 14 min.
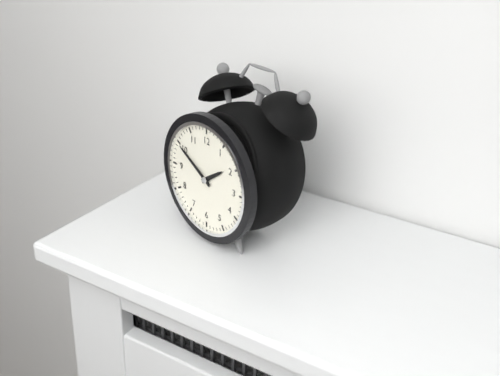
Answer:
1 h 50 min
